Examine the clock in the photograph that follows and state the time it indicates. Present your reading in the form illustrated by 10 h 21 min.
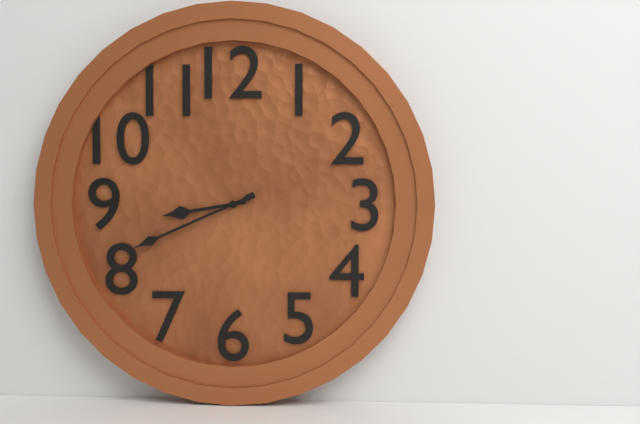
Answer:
8 h 41 min
